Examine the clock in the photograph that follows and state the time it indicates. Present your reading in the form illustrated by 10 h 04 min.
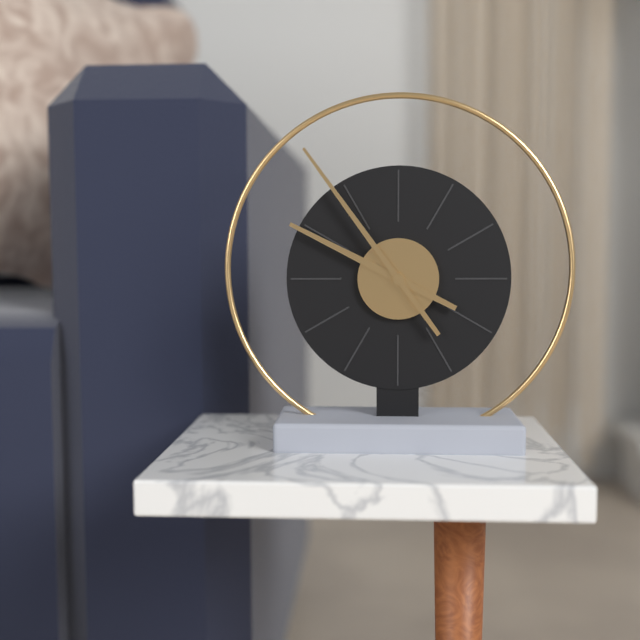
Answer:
9 h 54 min
